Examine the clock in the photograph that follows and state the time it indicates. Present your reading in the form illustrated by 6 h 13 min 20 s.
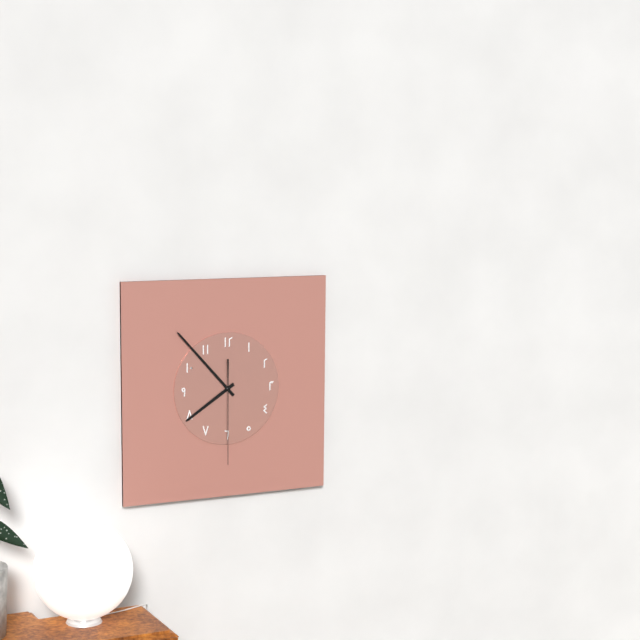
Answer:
7 h 53 min 30 s
